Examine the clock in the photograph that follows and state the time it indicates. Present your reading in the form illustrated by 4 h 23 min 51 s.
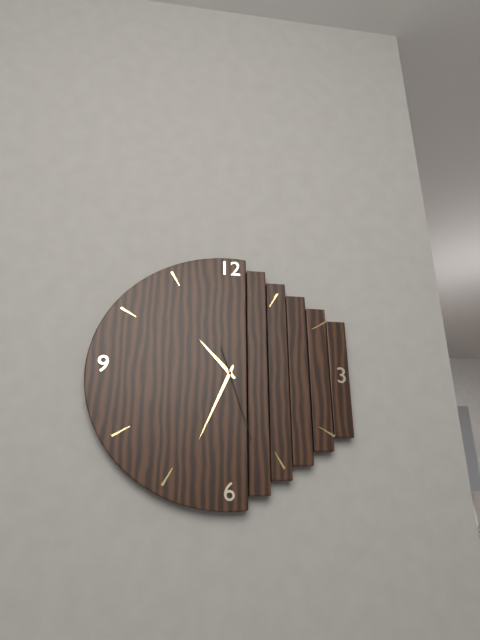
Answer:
10 h 34 min 27 s
